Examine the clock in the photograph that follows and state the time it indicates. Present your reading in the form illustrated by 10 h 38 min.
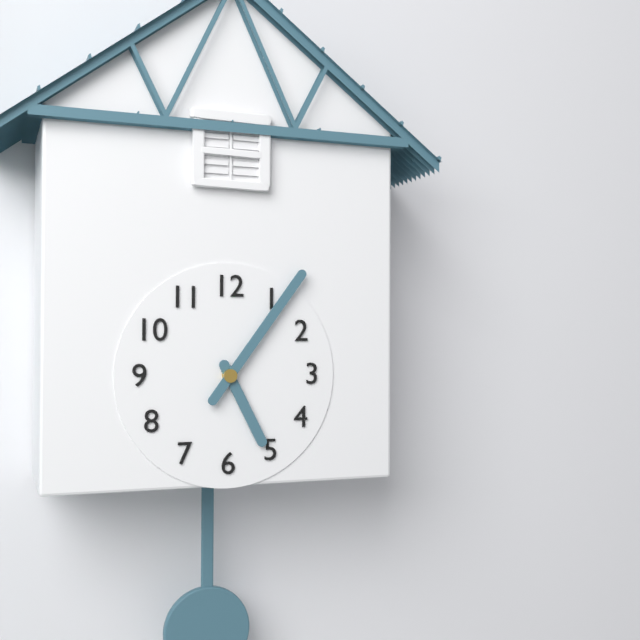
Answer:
5 h 06 min
